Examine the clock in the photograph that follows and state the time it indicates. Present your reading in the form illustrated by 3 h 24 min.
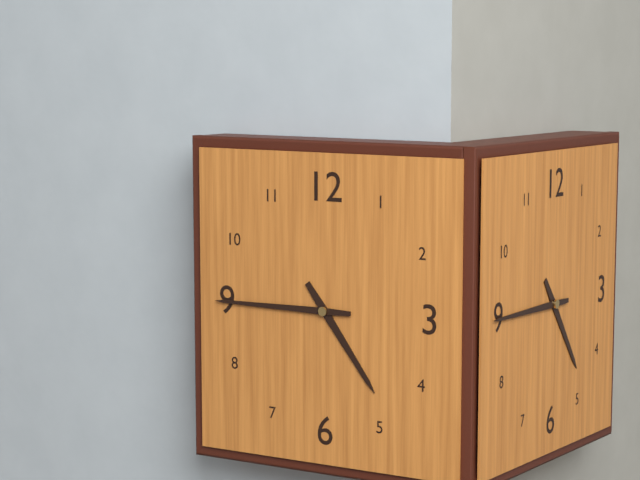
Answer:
4 h 45 min
